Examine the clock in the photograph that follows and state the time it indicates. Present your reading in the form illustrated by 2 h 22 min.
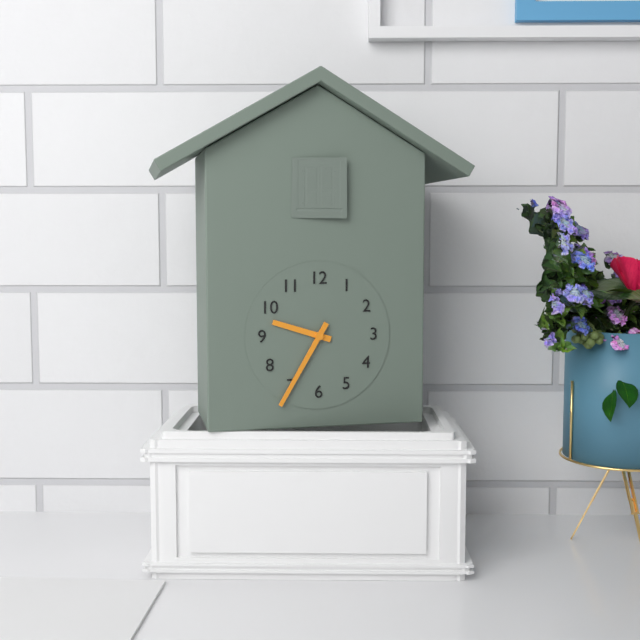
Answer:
9 h 35 min
